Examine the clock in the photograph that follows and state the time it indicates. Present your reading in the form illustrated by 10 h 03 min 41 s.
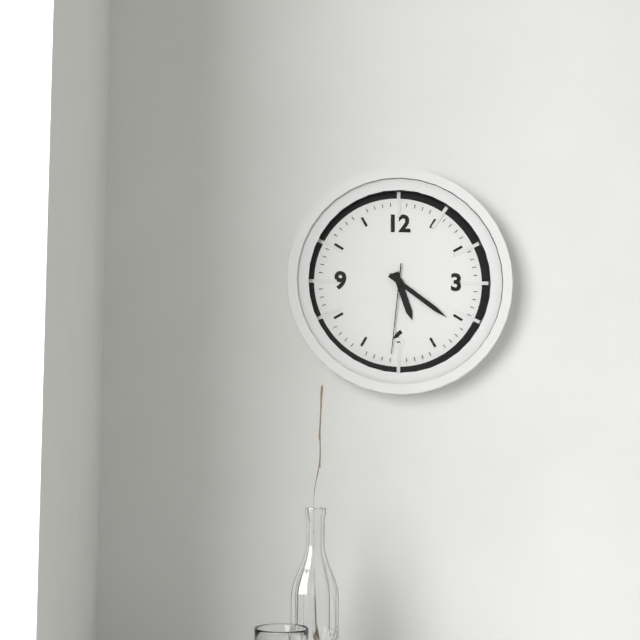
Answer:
5 h 21 min 31 s
